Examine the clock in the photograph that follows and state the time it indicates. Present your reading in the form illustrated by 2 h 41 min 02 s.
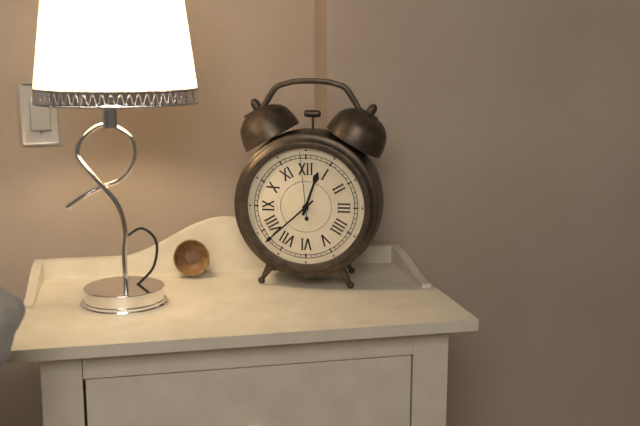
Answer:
12 h 38 min 59 s
